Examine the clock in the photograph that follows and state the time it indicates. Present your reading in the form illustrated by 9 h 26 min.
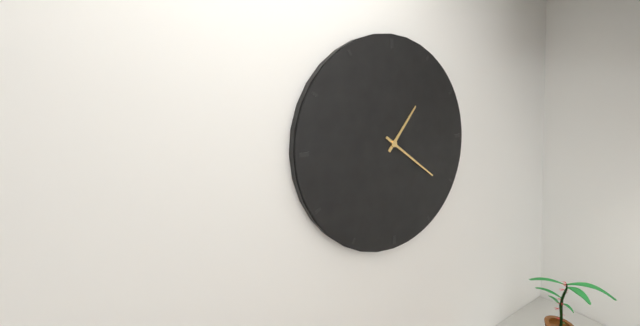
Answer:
1 h 21 min
